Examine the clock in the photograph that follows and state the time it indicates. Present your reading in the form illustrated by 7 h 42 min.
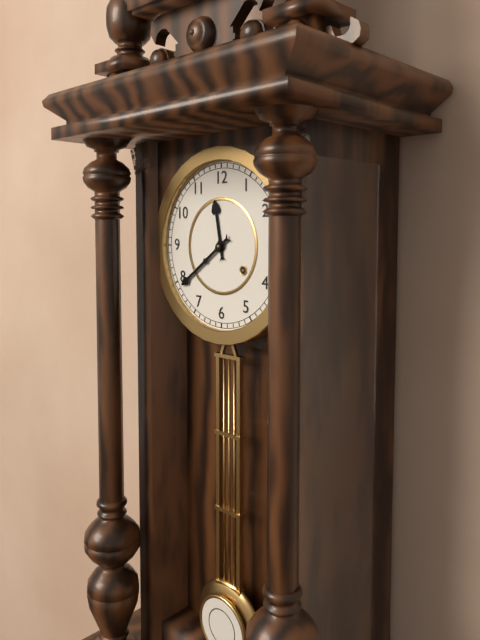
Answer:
11 h 39 min
